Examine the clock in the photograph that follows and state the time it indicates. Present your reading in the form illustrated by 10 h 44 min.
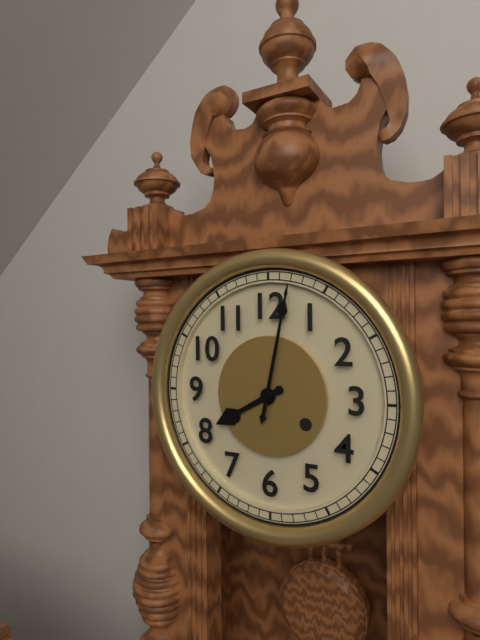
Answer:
8 h 02 min
